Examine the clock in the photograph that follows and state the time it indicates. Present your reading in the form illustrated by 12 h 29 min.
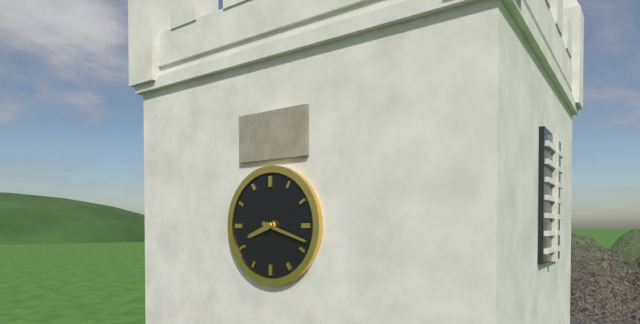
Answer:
8 h 18 min
